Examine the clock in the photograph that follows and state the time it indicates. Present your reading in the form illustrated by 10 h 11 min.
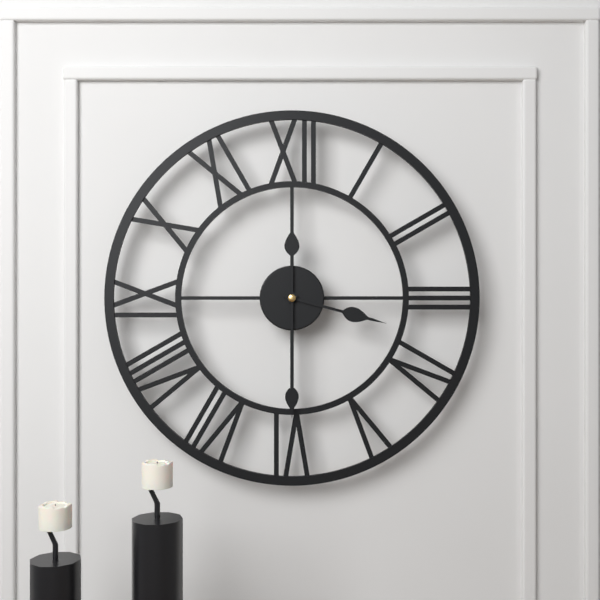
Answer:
3 h 30 min
